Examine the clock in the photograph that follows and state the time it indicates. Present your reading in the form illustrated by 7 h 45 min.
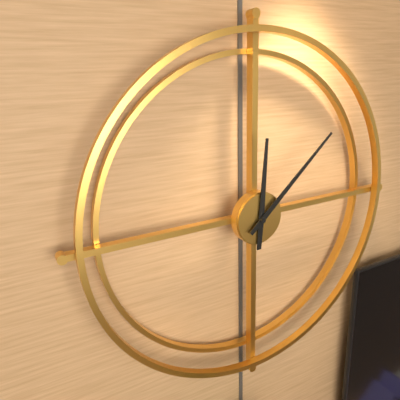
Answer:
12 h 08 min
